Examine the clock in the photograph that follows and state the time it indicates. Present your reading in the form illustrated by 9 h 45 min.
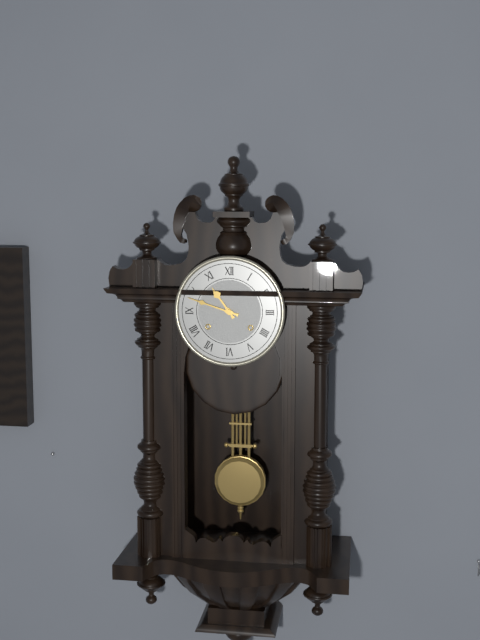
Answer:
10 h 48 min
